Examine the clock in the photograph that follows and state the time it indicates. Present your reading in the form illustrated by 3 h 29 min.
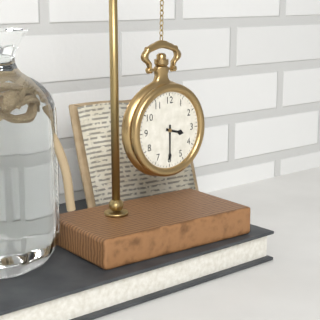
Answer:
3 h 30 min
